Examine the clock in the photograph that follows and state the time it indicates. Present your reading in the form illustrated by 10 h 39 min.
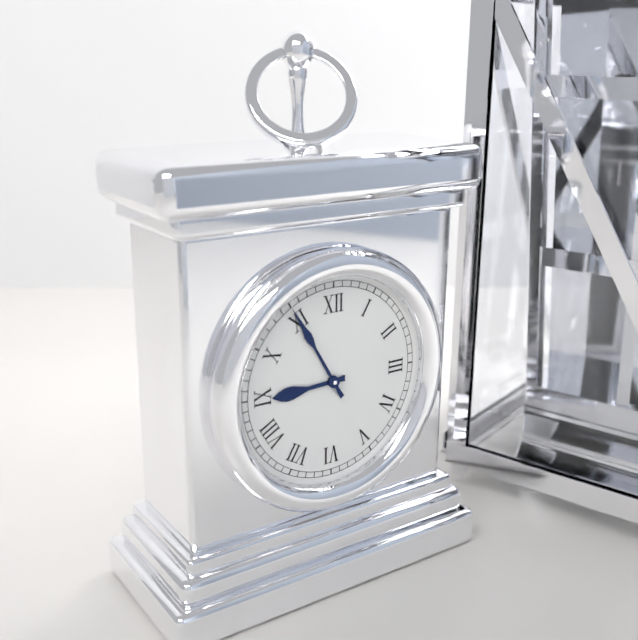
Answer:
8 h 55 min
